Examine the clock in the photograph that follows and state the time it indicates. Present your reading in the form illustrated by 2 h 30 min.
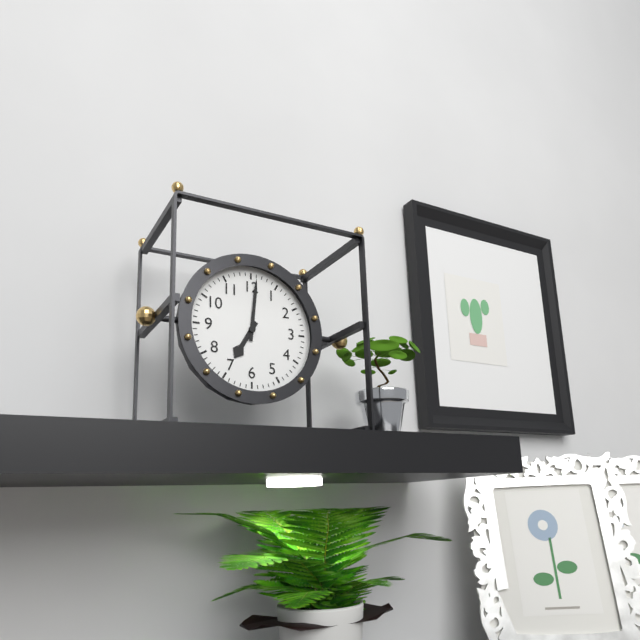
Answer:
7 h 01 min
